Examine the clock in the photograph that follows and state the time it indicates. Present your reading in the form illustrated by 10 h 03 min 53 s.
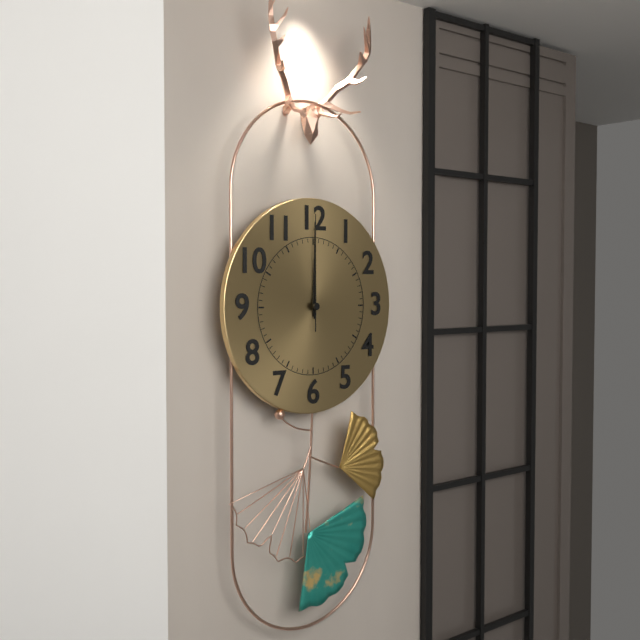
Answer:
12 h 00 min 00 s
